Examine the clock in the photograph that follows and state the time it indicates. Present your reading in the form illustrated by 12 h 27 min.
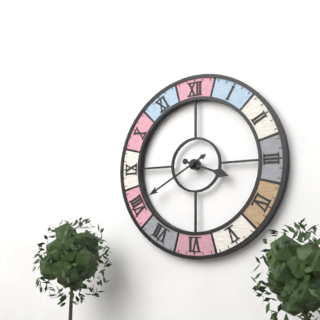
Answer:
3 h 40 min
